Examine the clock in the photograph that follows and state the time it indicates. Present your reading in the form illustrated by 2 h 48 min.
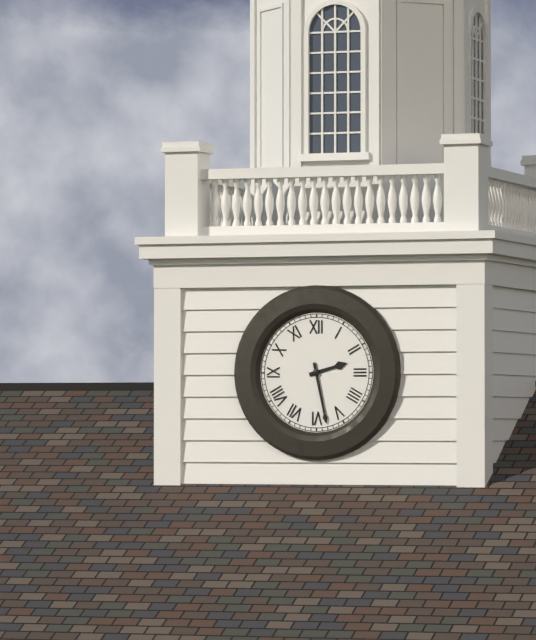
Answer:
2 h 28 min
